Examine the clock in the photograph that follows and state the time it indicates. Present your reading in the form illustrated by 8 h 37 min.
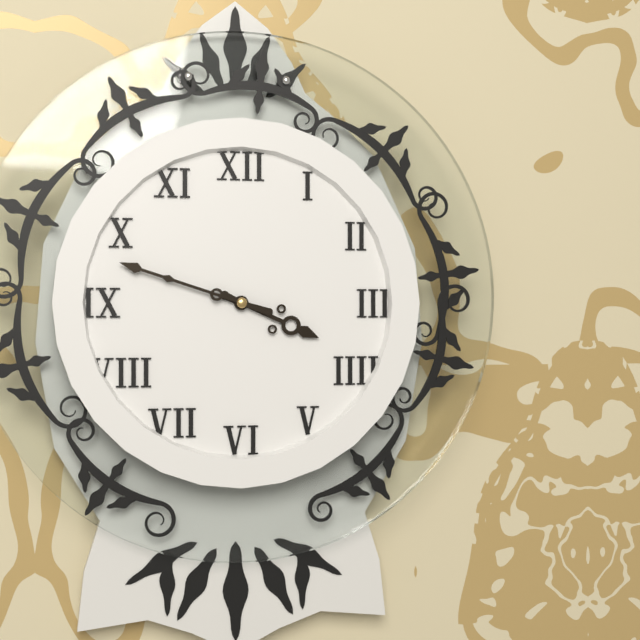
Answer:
3 h 48 min
